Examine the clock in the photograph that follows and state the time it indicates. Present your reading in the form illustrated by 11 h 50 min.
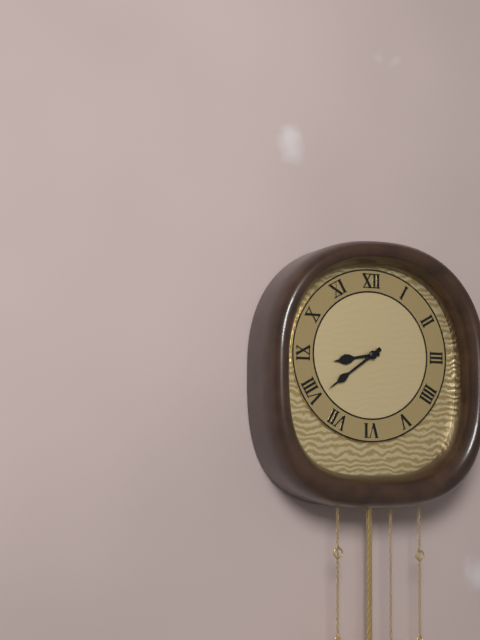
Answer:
8 h 39 min
